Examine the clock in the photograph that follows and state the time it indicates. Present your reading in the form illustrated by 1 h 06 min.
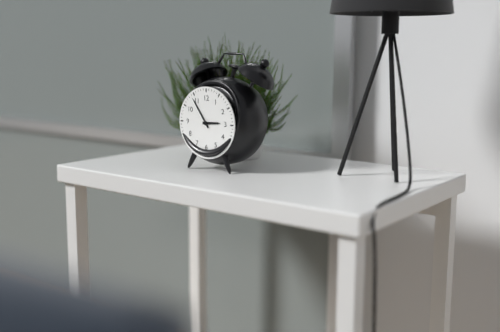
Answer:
2 h 54 min
